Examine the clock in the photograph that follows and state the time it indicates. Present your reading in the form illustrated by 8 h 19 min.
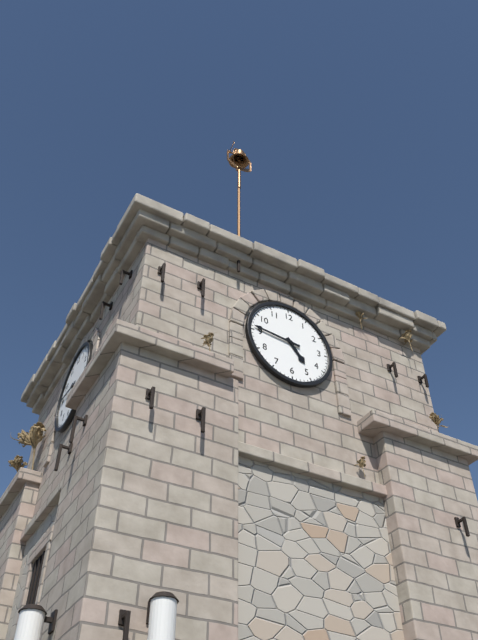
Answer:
4 h 46 min
